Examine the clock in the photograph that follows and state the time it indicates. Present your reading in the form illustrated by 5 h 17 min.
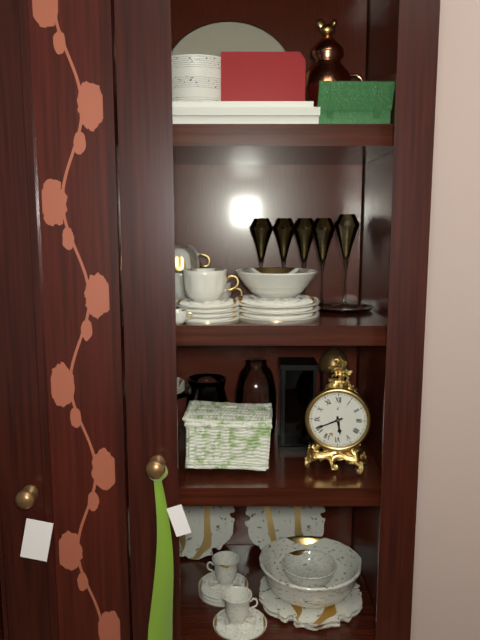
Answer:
5 h 41 min
